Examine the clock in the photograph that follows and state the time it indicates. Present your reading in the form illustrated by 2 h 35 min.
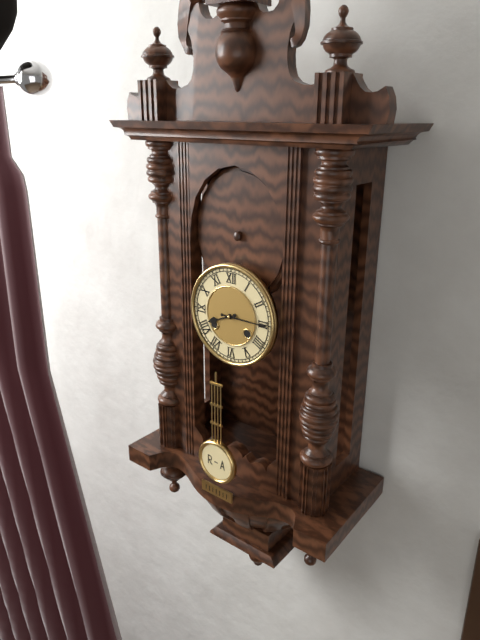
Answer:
8 h 15 min
